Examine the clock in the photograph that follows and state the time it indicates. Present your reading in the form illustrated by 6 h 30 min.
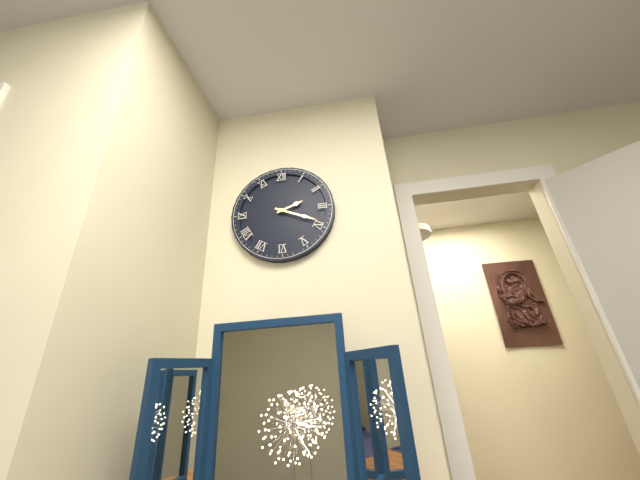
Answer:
2 h 19 min
